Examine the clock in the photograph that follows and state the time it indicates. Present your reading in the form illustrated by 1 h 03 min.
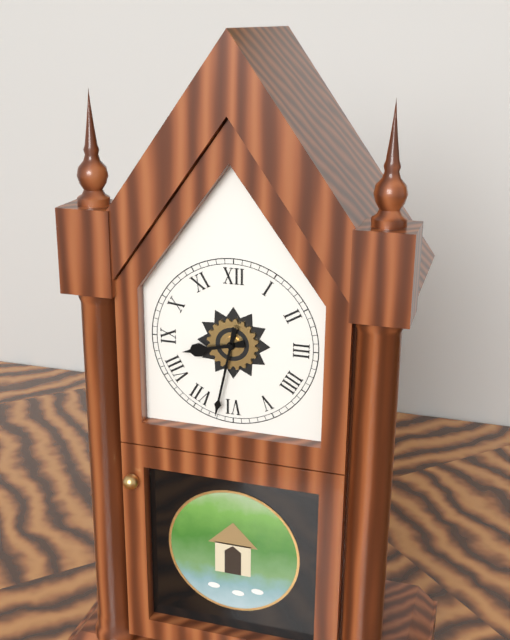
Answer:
8 h 32 min
